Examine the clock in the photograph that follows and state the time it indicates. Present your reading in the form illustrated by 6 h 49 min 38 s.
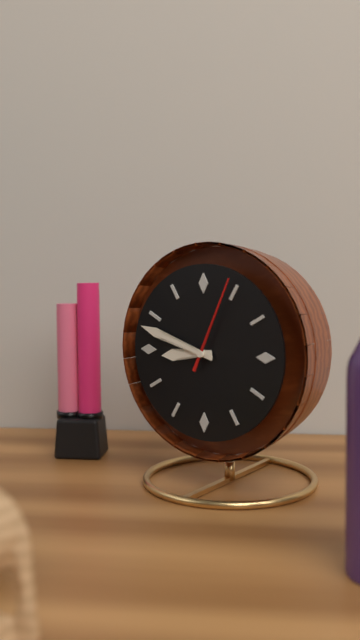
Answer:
8 h 48 min 04 s
